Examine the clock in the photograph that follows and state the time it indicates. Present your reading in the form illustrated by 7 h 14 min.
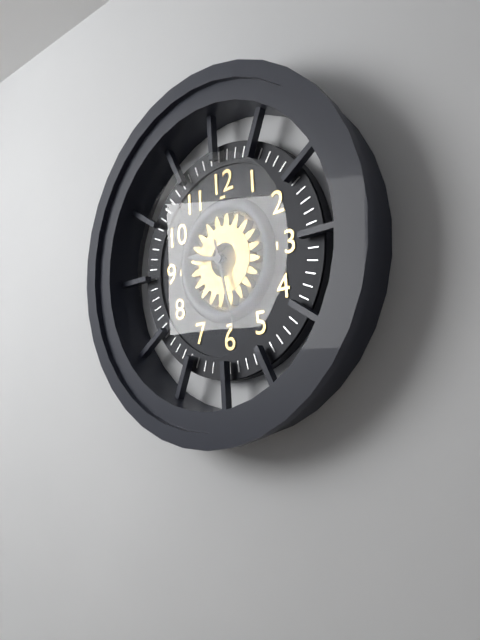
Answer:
9 h 28 min
